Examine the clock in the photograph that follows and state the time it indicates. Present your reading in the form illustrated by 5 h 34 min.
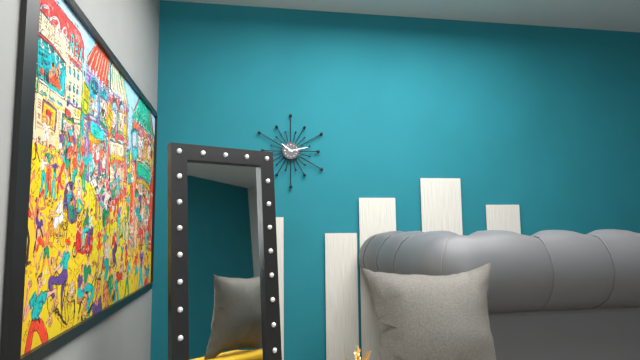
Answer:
10 h 13 min
